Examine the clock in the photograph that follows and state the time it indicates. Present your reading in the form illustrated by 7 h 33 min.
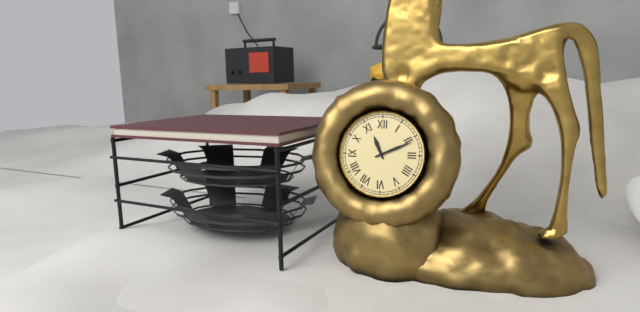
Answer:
11 h 11 min
